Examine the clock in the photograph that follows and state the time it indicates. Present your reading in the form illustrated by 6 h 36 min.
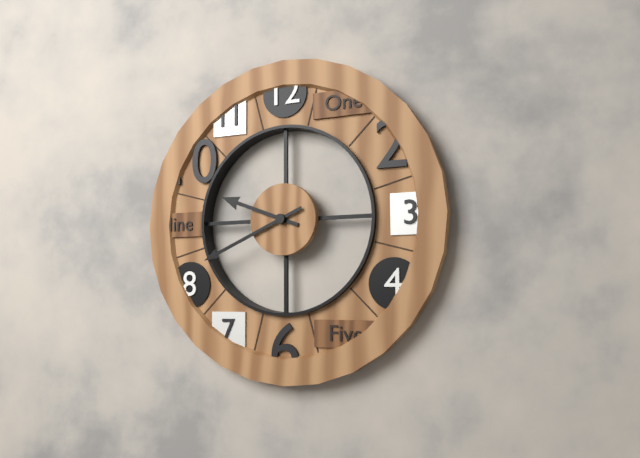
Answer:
9 h 41 min
